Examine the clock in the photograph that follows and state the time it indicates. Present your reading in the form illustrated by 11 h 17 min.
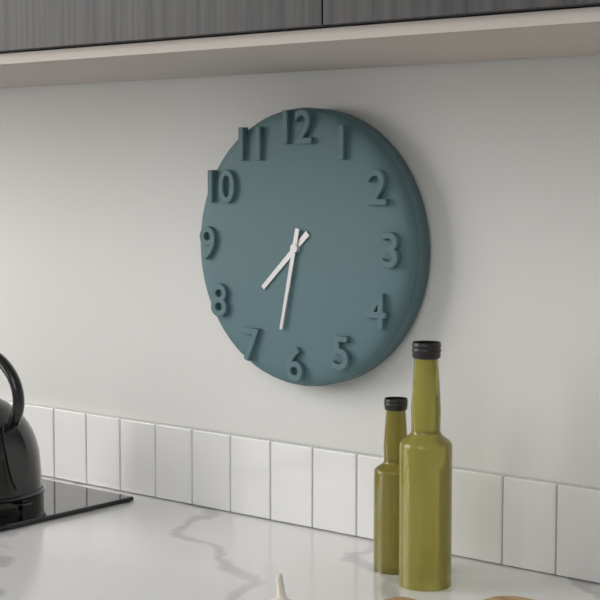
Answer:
7 h 32 min
